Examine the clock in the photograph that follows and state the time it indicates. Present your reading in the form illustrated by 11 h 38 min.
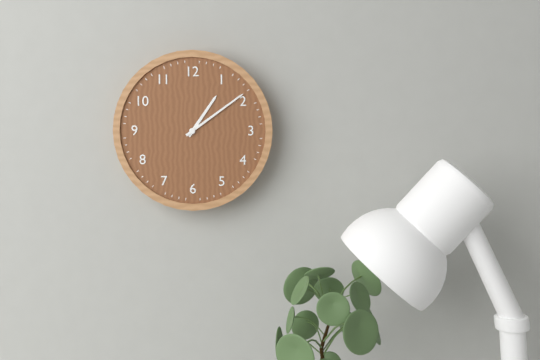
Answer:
1 h 09 min
